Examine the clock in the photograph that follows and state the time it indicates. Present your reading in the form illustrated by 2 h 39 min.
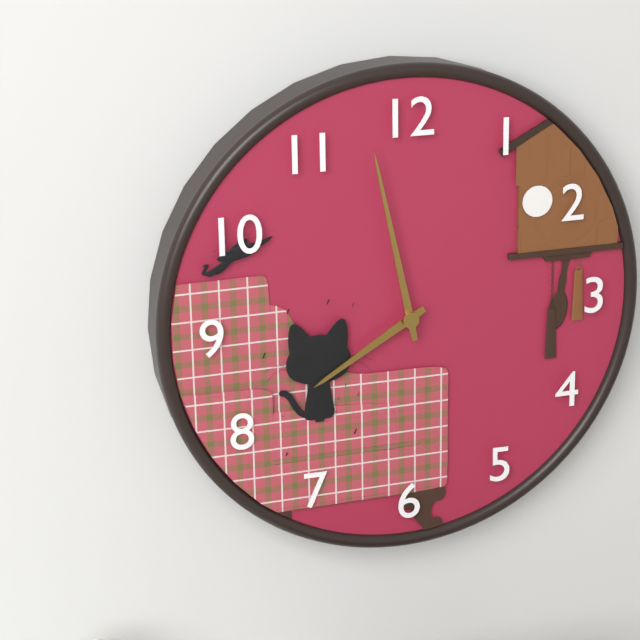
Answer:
7 h 58 min
